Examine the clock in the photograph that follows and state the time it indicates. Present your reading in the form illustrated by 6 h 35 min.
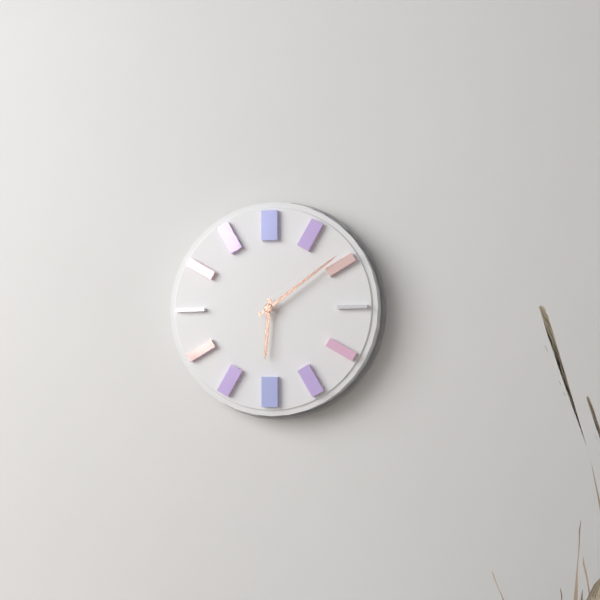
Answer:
6 h 09 min
